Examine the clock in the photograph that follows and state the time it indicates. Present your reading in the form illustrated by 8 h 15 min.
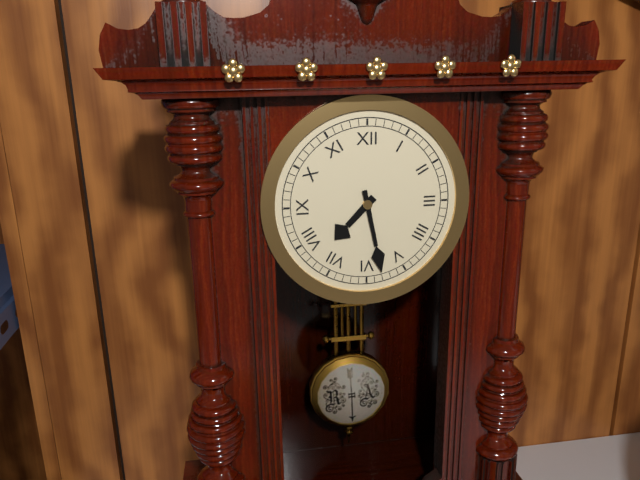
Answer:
7 h 28 min
